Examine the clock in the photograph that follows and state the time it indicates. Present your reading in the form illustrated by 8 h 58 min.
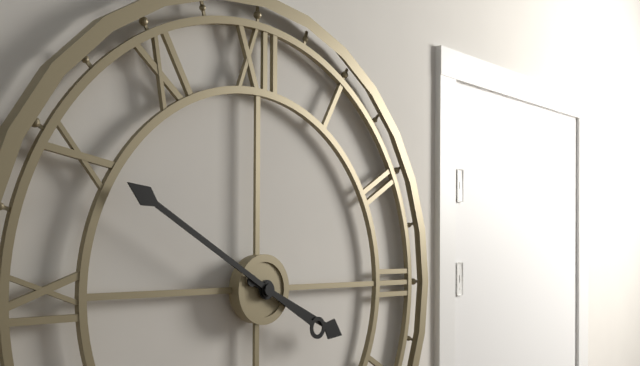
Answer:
3 h 50 min
